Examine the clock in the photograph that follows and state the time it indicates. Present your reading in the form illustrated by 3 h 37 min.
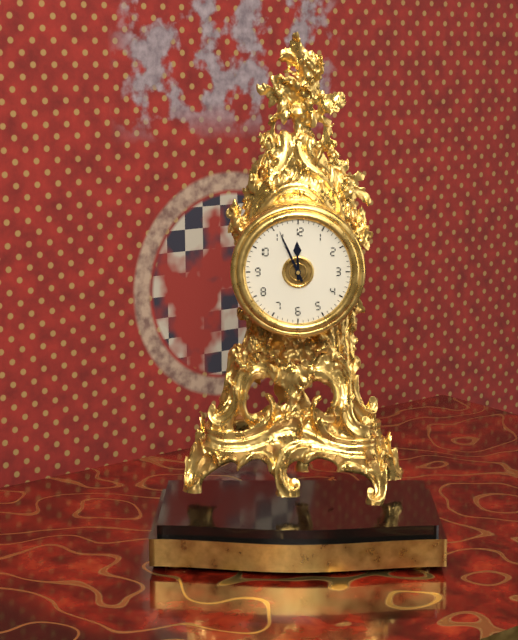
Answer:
11 h 56 min
